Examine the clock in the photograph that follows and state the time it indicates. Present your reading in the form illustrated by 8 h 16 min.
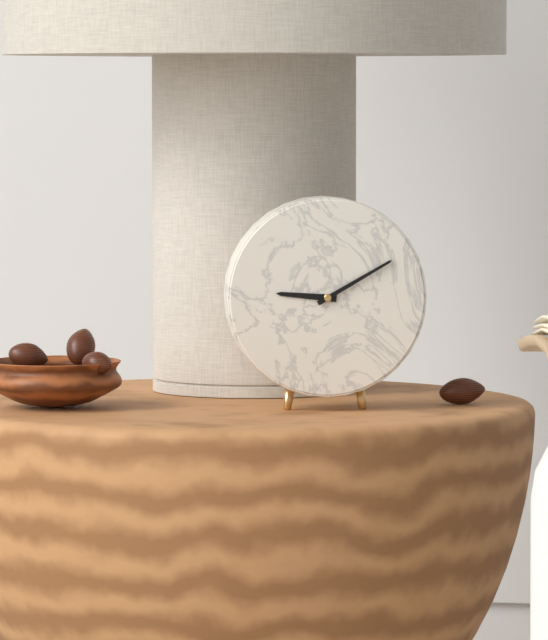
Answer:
9 h 10 min
